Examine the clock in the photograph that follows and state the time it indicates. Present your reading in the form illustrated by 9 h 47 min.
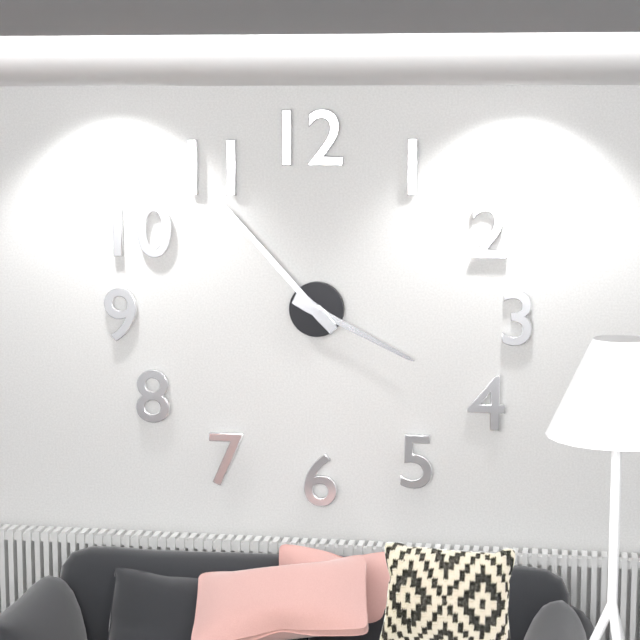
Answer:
3 h 53 min
